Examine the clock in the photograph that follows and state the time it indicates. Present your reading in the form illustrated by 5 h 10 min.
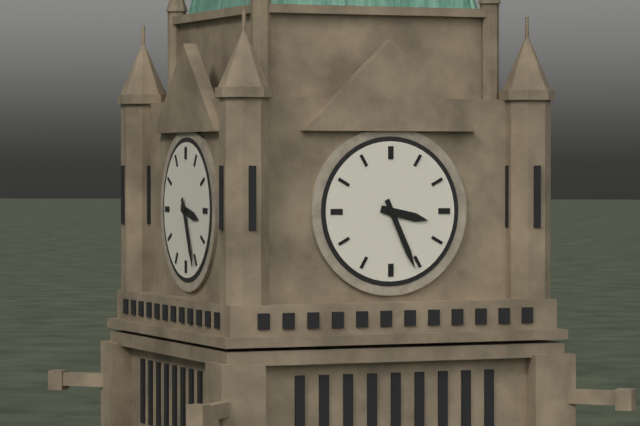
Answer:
3 h 26 min
